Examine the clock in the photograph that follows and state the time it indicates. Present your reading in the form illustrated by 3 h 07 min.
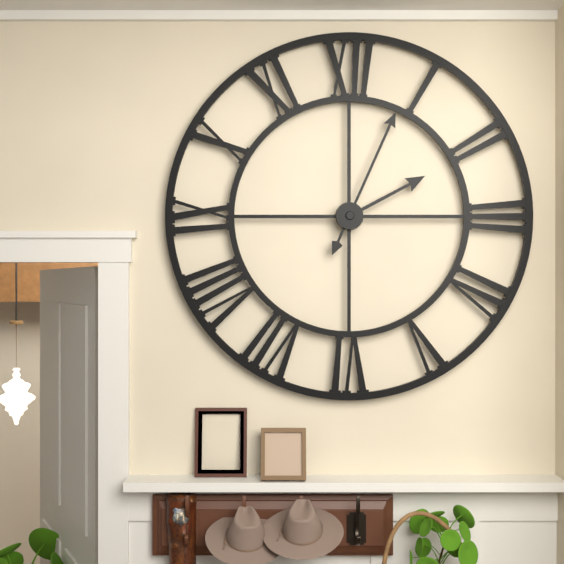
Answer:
2 h 04 min
